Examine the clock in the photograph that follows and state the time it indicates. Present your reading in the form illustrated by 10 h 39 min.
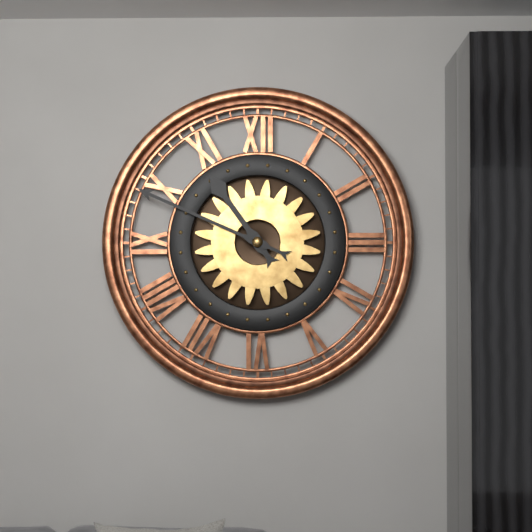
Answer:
10 h 49 min
